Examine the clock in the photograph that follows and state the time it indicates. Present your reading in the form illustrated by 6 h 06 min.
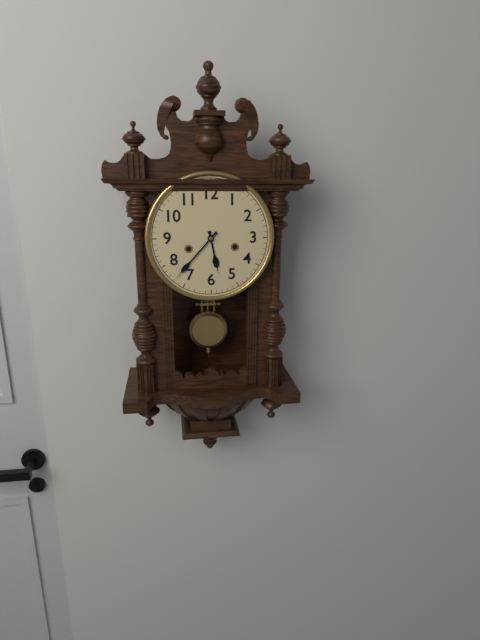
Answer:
5 h 37 min
